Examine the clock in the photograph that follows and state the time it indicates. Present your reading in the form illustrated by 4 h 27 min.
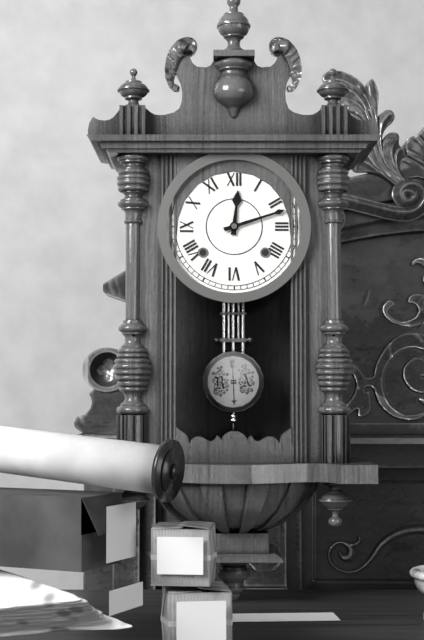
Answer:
12 h 12 min
